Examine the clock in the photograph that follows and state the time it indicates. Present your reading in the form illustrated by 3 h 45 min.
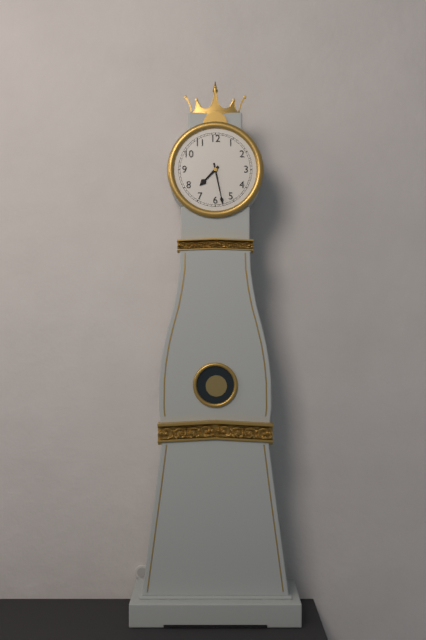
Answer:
7 h 28 min
